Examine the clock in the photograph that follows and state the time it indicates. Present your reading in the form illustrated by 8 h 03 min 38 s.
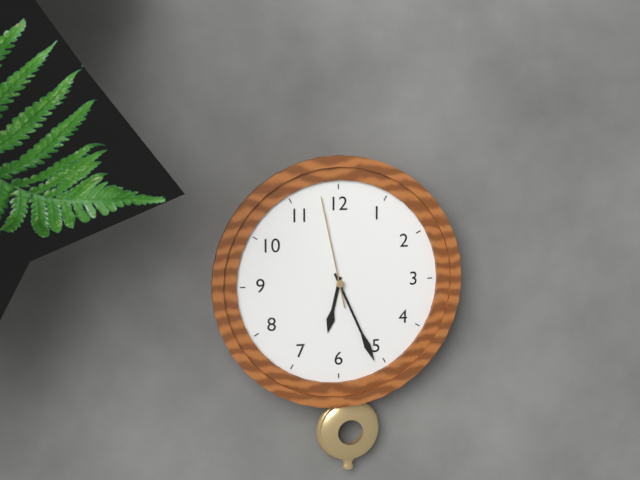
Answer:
6 h 26 min 58 s
